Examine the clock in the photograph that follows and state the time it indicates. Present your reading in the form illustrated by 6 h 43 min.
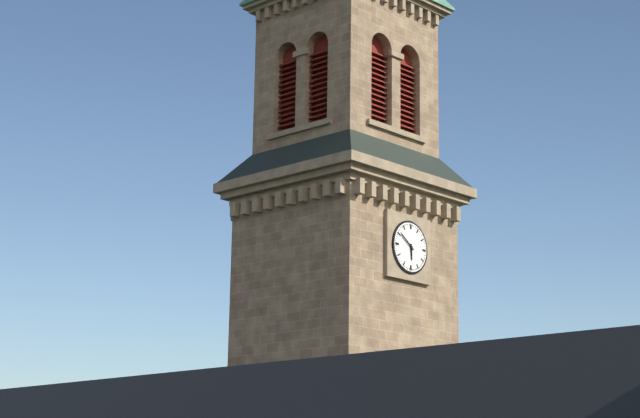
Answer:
5 h 51 min
